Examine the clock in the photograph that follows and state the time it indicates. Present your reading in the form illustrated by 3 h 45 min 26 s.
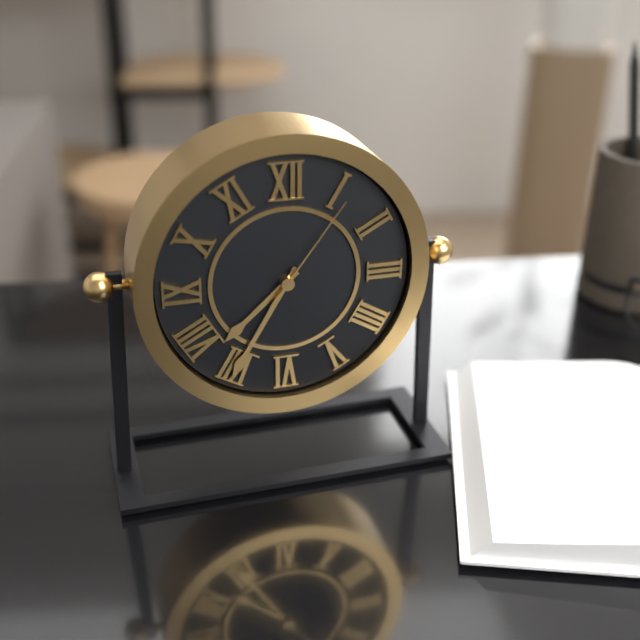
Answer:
7 h 35 min 06 s
